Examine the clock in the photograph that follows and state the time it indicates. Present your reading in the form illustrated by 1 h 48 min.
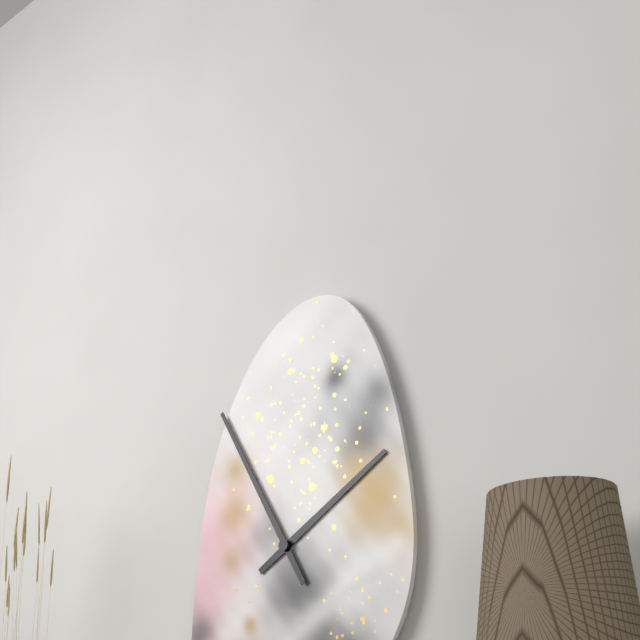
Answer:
1 h 55 min
